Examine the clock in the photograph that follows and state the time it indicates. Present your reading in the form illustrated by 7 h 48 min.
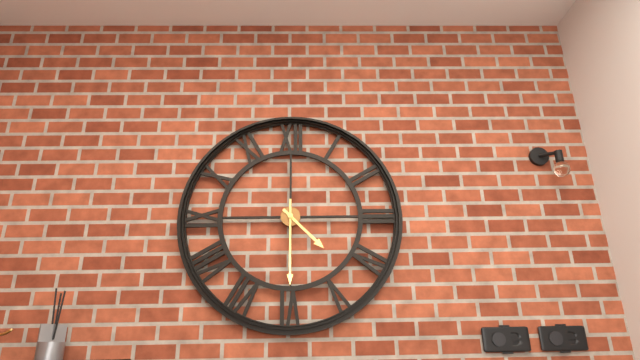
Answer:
4 h 30 min
